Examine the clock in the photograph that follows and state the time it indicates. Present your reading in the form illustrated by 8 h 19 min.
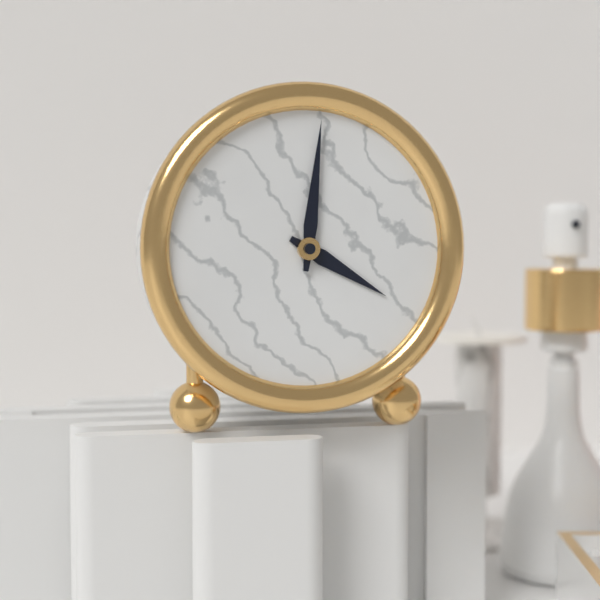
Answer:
4 h 01 min
